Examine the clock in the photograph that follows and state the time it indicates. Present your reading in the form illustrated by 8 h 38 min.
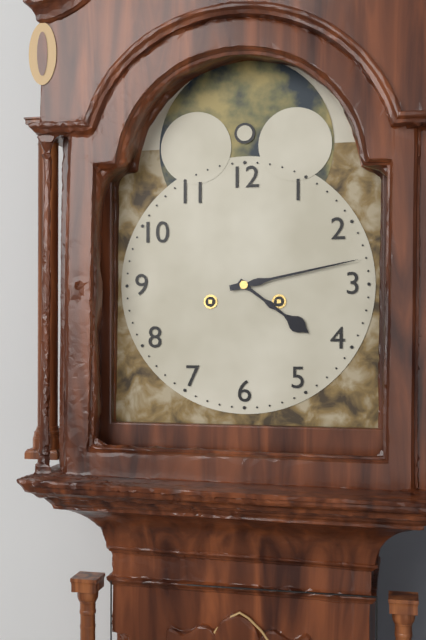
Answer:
4 h 13 min
